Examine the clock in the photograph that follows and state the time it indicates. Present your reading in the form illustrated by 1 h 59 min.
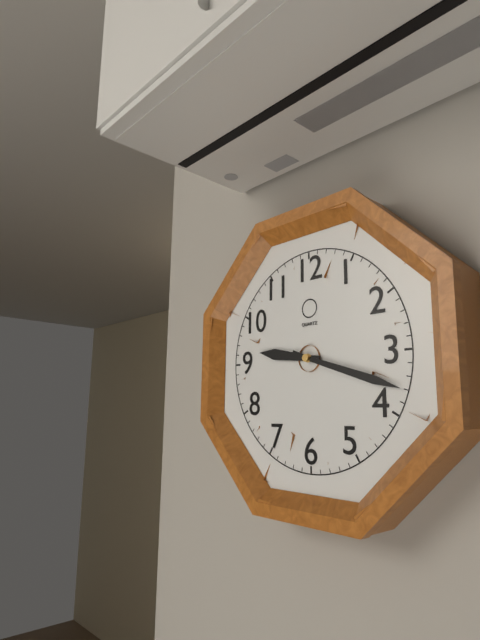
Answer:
9 h 18 min
